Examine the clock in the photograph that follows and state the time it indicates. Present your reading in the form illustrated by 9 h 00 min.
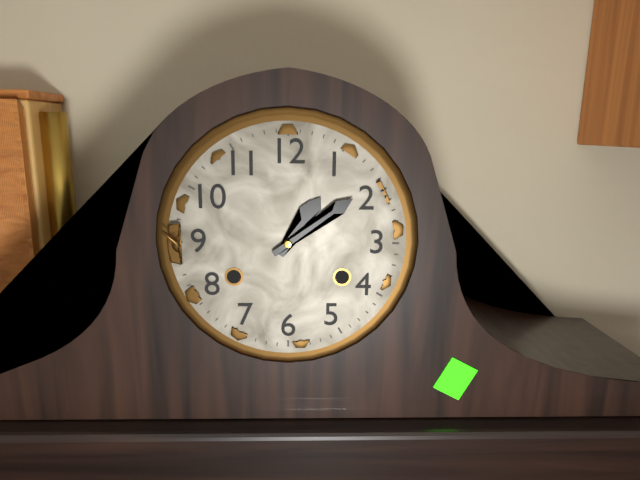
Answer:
1 h 09 min
